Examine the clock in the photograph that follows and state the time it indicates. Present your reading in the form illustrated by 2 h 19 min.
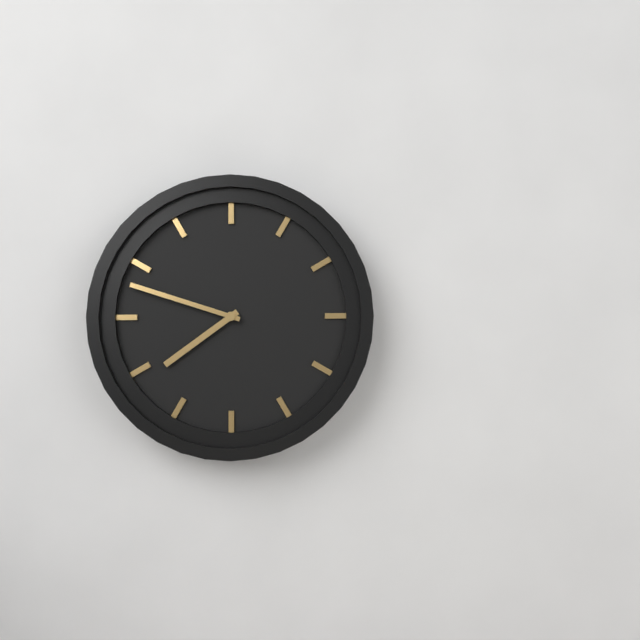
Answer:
7 h 48 min
